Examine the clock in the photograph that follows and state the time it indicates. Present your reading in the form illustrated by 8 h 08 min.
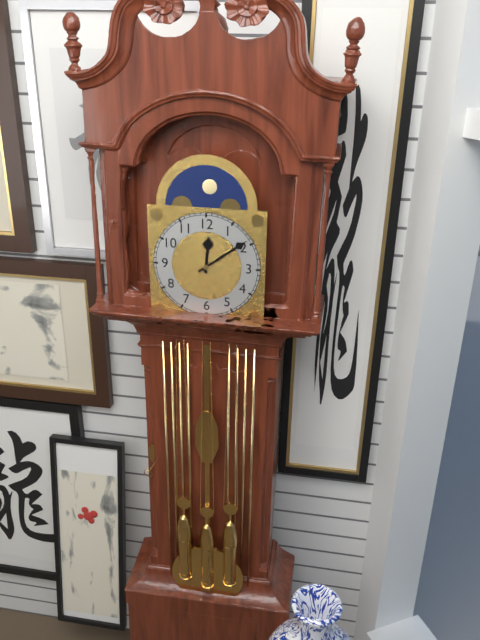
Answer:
12 h 09 min
